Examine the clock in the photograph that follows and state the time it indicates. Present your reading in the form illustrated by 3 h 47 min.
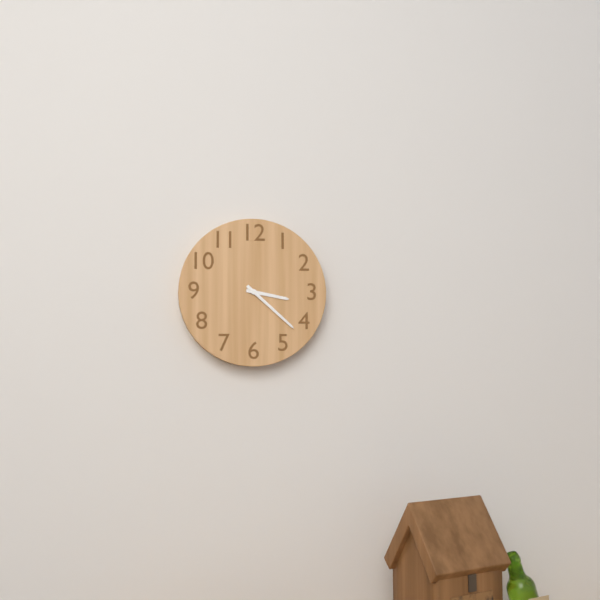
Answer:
3 h 22 min
